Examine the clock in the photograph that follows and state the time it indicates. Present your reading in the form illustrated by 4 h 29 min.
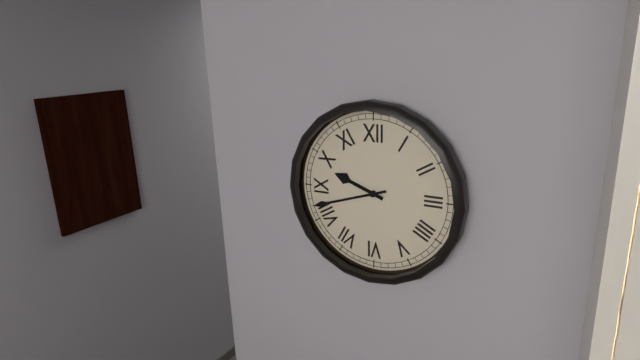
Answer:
9 h 42 min
